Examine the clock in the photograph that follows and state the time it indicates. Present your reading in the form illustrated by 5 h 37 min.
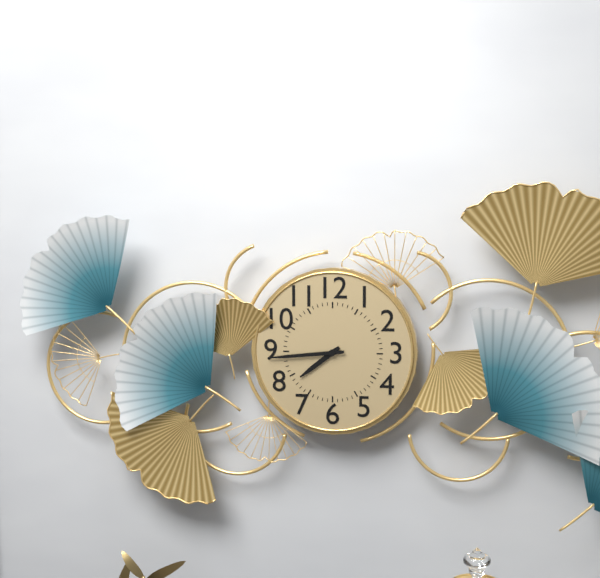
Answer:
7 h 44 min
